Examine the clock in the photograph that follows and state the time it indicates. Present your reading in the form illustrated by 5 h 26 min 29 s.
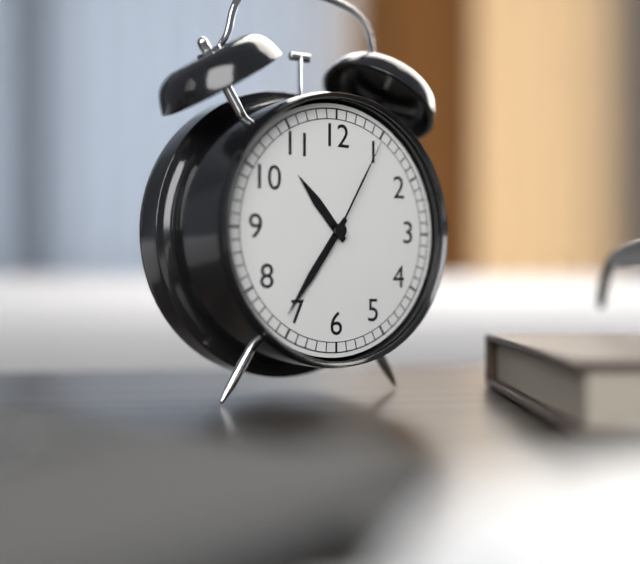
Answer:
10 h 36 min 05 s
